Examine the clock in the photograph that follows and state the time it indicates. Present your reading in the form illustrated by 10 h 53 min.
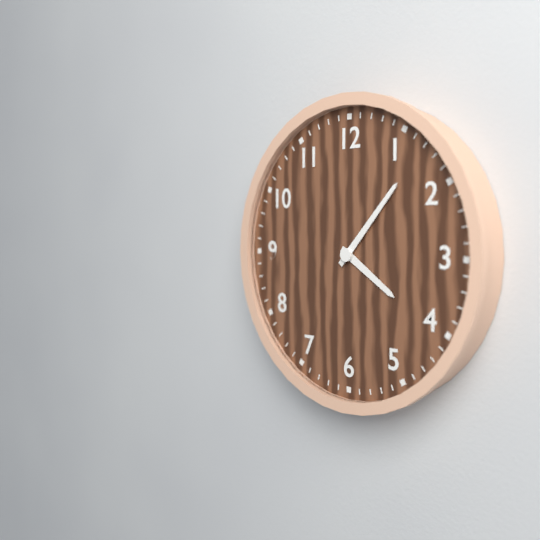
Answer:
4 h 07 min
